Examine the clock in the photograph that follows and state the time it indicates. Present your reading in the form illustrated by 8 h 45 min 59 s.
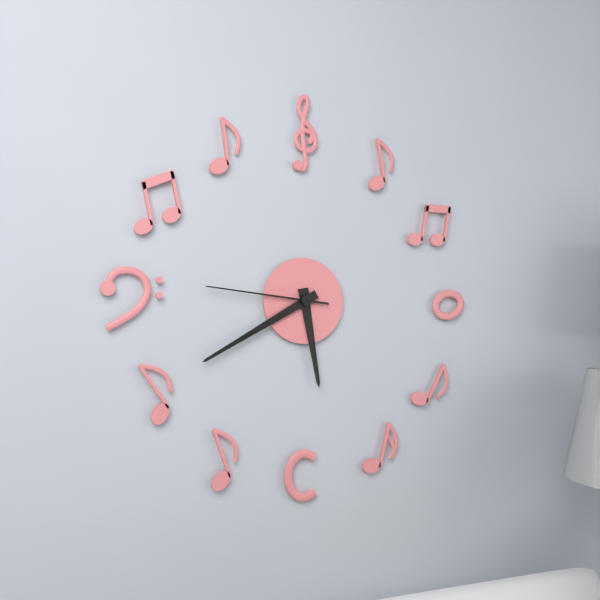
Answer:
5 h 40 min 46 s
